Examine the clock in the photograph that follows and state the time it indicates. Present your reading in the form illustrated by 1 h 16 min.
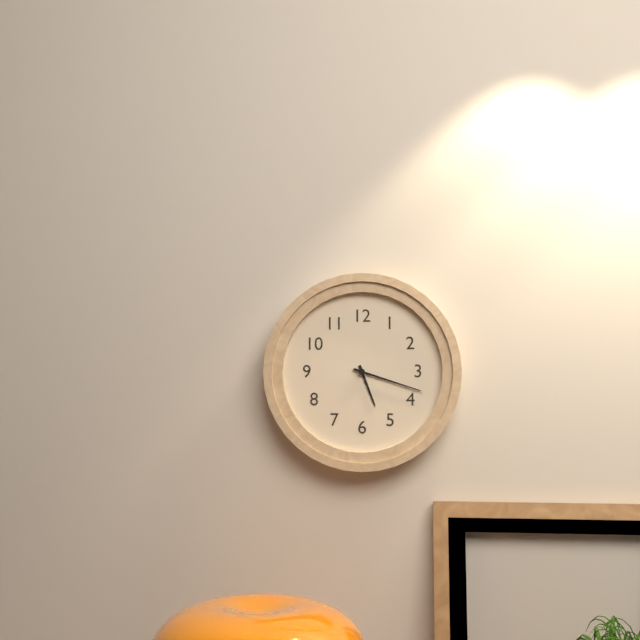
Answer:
5 h 18 min
